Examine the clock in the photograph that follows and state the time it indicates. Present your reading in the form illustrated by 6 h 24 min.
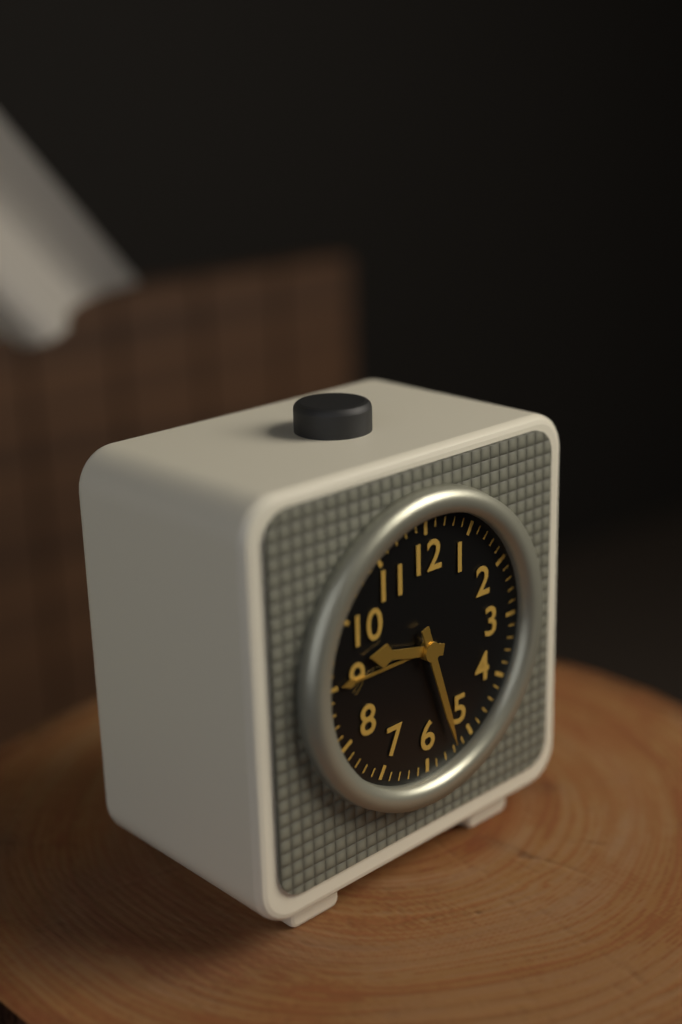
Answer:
9 h 27 min
